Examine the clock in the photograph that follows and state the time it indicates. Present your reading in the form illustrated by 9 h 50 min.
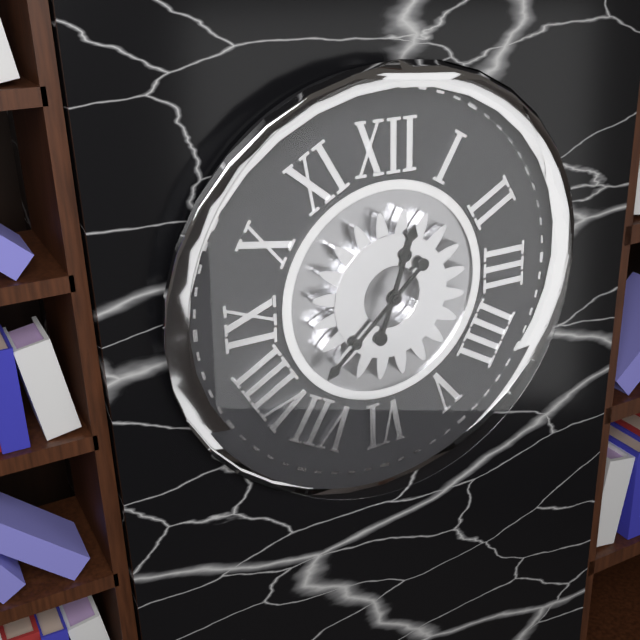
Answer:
12 h 38 min
